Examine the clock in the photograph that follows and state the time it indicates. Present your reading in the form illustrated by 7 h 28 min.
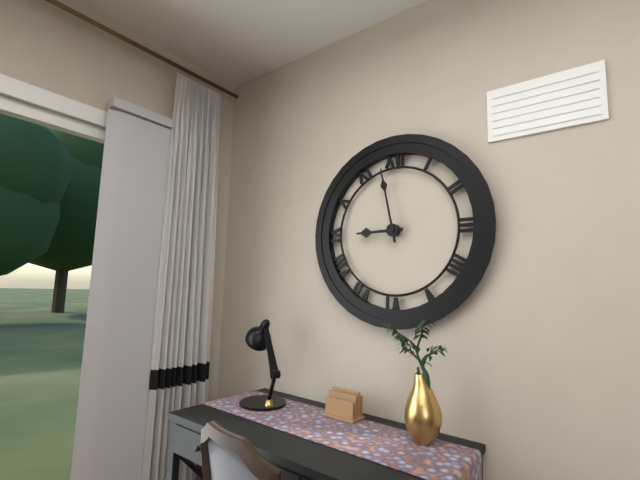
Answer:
8 h 58 min
